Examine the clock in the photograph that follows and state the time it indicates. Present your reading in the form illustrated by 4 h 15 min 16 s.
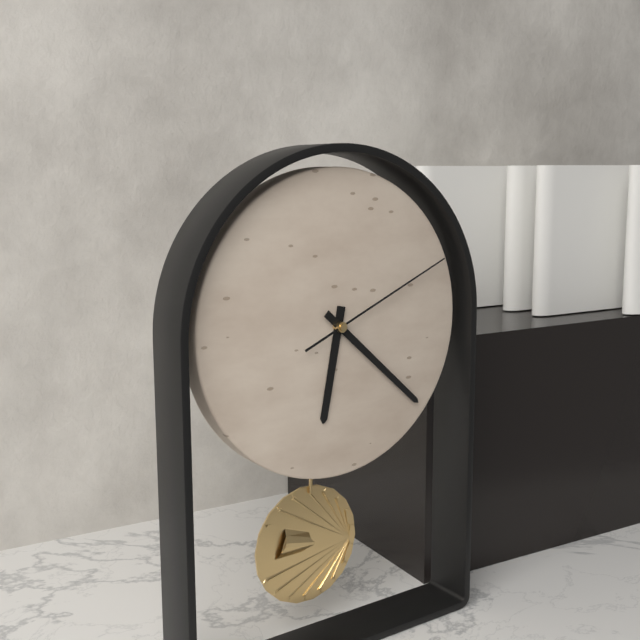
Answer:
6 h 22 min 11 s
